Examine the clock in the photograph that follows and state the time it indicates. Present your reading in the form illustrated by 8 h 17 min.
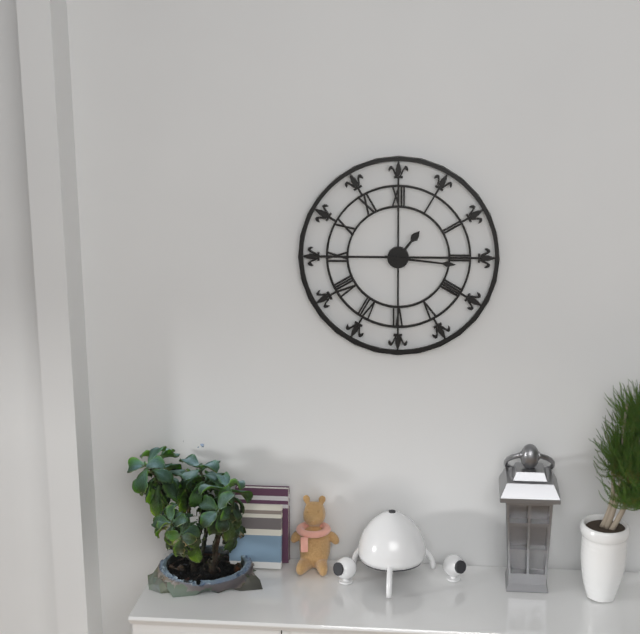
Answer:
1 h 16 min
